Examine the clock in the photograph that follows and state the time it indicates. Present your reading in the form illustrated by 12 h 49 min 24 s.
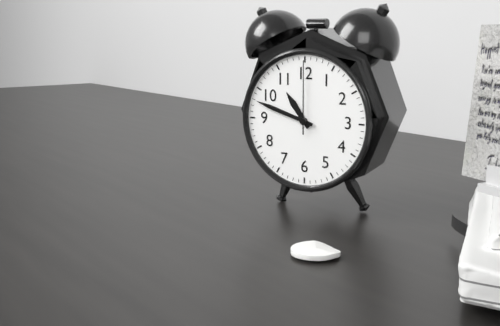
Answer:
10 h 48 min 00 s
